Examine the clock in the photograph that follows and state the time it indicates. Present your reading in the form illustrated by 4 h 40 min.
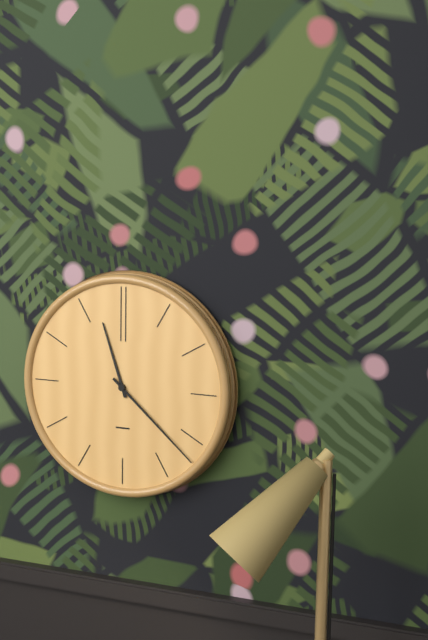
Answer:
11 h 22 min
